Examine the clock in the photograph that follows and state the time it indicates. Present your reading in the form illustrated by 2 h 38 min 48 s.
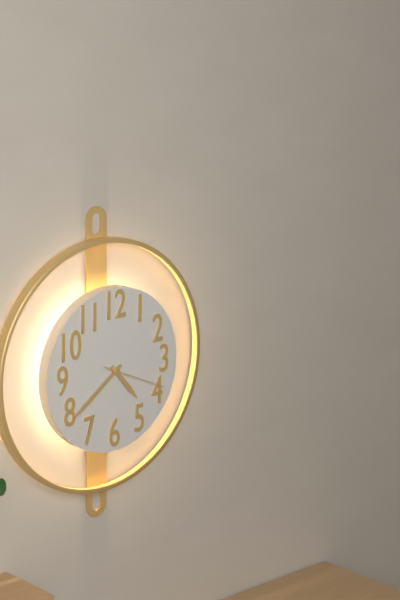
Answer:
4 h 39 min 19 s
